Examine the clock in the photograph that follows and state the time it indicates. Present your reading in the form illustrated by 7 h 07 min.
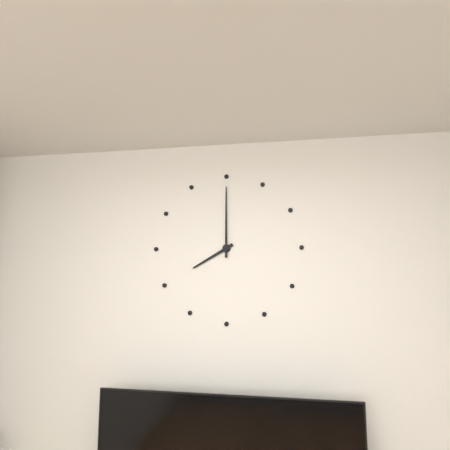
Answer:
8 h 00 min
